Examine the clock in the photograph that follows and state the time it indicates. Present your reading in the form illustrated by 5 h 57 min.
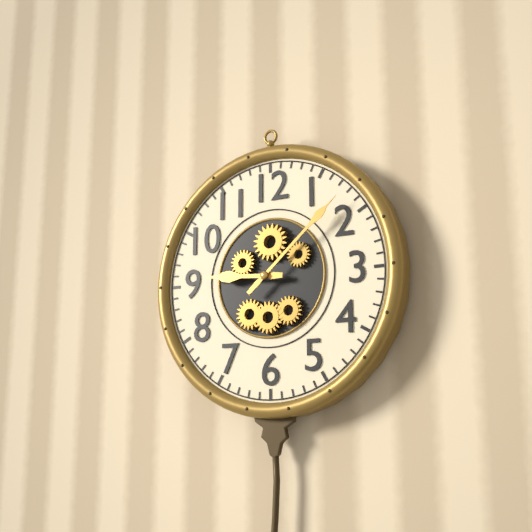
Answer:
9 h 08 min
